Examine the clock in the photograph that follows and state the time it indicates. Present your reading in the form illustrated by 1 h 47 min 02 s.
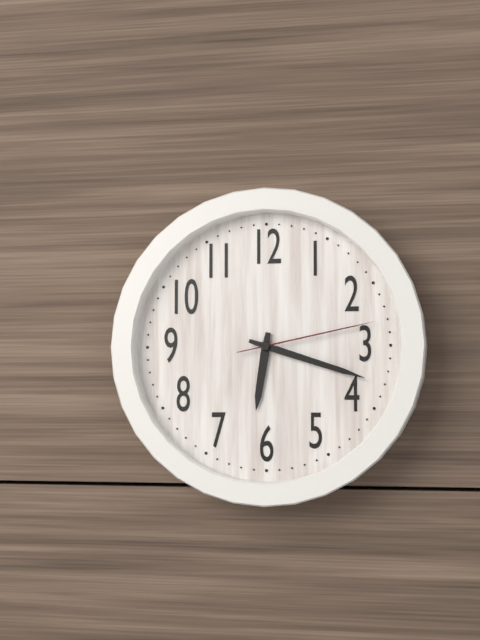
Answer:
6 h 18 min 13 s
